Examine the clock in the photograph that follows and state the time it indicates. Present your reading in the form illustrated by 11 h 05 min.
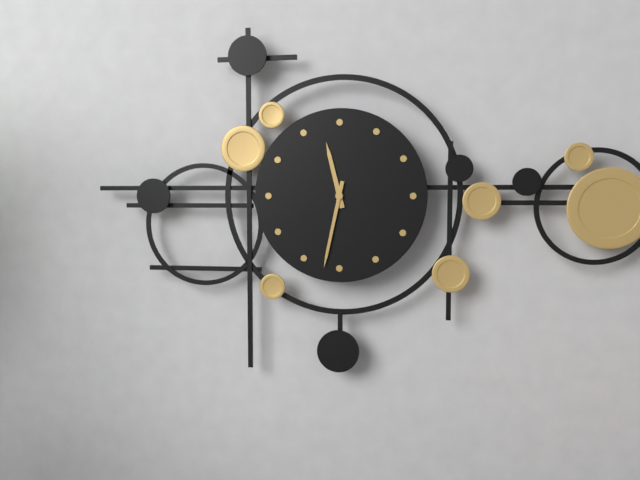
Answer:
11 h 32 min
